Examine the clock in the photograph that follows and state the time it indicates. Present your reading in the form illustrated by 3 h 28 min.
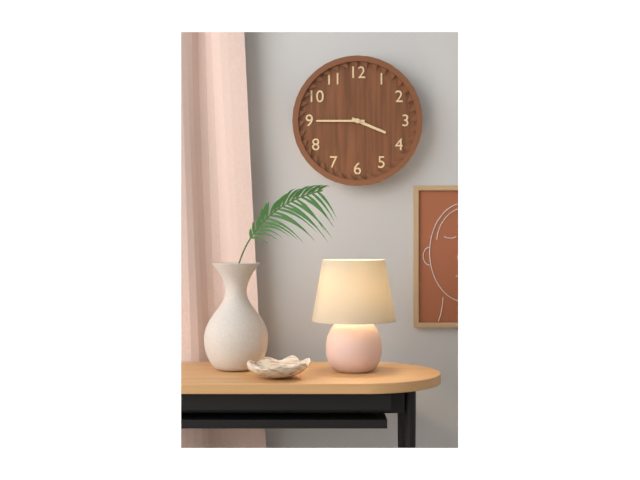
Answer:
3 h 45 min
